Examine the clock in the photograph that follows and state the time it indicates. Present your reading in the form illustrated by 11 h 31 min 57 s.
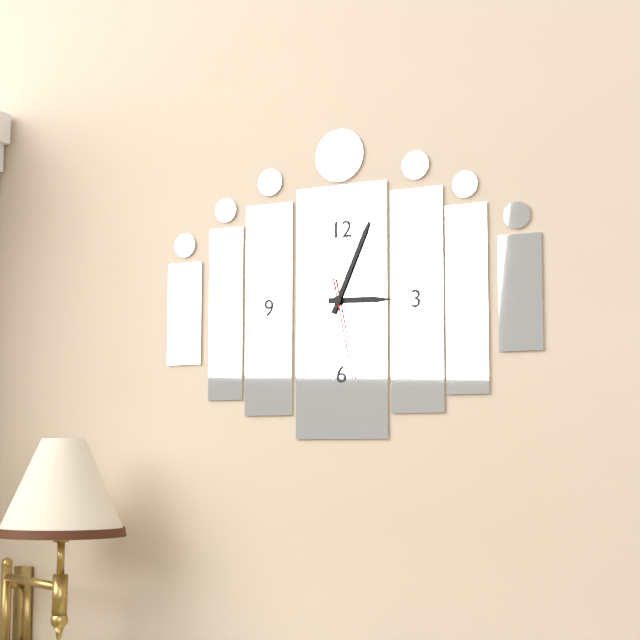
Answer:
3 h 04 min 28 s
